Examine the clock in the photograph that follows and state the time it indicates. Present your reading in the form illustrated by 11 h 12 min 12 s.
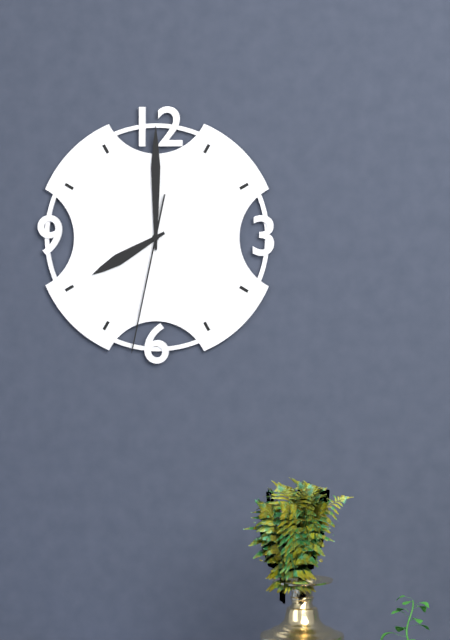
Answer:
8 h 00 min 32 s
